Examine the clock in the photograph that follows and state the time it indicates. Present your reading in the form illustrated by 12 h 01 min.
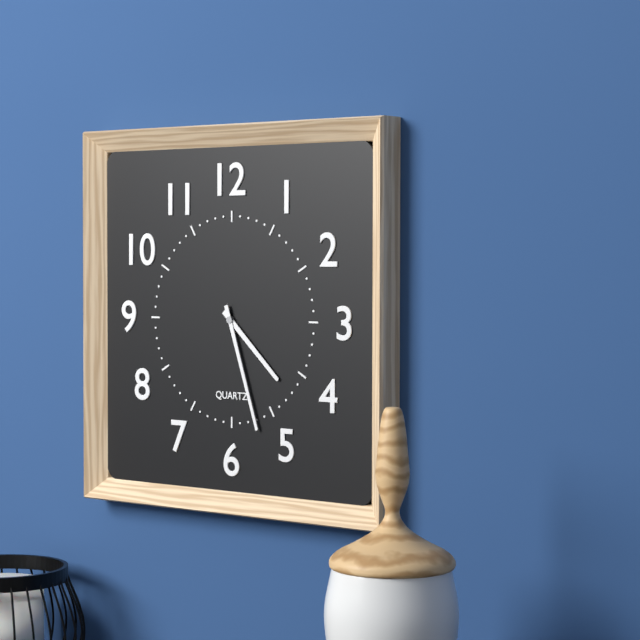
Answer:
4 h 27 min
